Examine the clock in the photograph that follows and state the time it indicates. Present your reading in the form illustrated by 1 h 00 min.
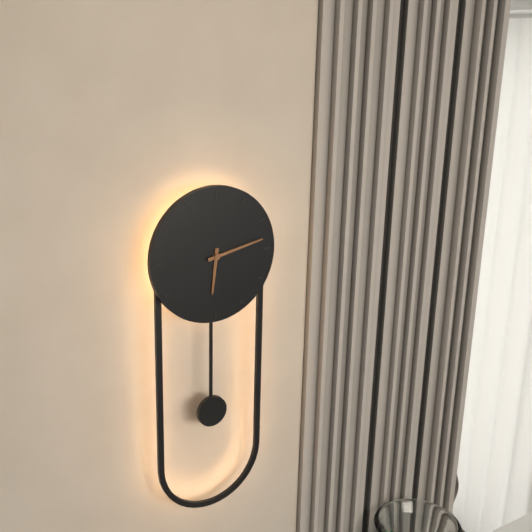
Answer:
6 h 13 min
